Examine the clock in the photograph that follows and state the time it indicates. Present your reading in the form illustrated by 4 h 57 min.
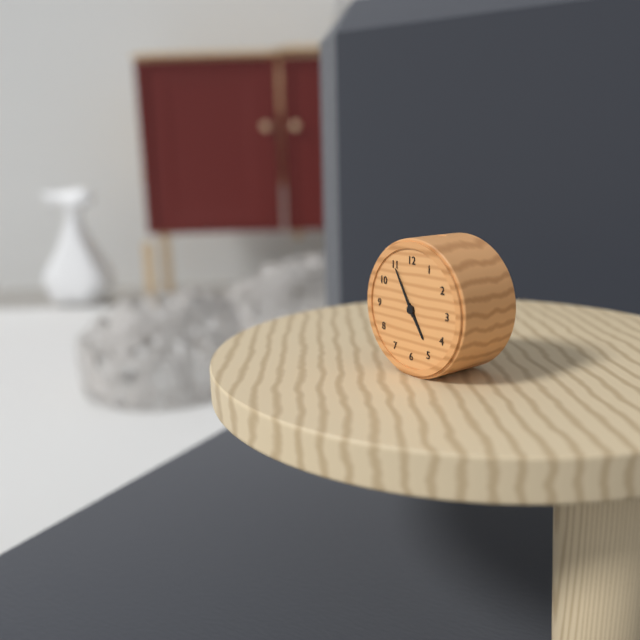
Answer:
4 h 55 min
